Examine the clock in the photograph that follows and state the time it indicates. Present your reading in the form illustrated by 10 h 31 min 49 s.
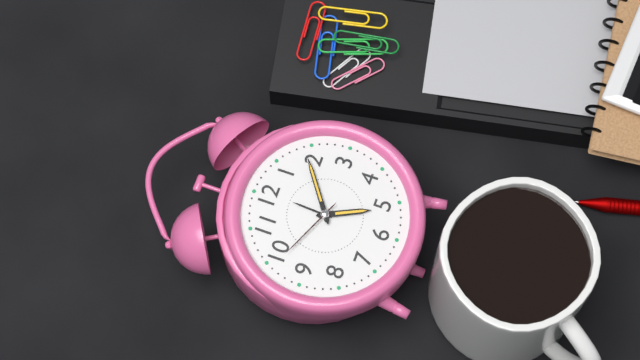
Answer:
5 h 09 min 49 s
